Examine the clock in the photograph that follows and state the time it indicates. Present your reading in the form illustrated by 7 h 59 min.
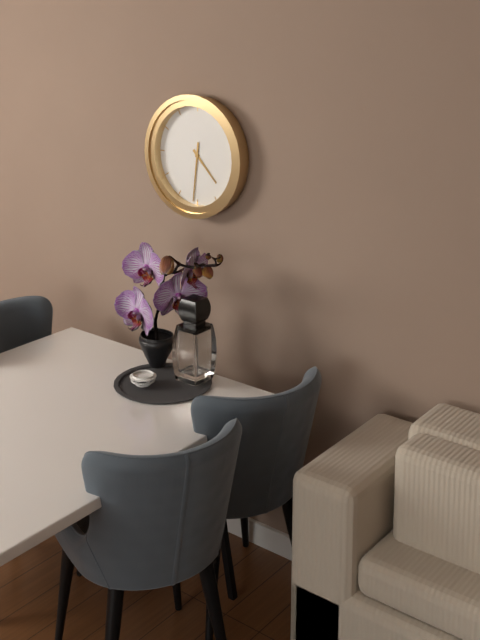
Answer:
4 h 31 min
